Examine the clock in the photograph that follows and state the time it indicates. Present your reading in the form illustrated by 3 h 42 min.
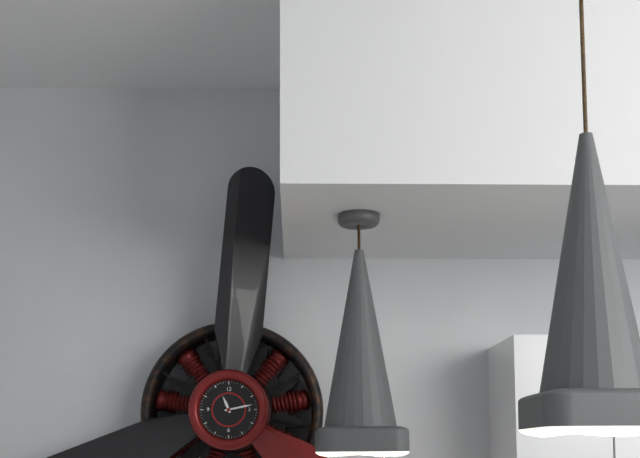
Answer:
11 h 13 min
